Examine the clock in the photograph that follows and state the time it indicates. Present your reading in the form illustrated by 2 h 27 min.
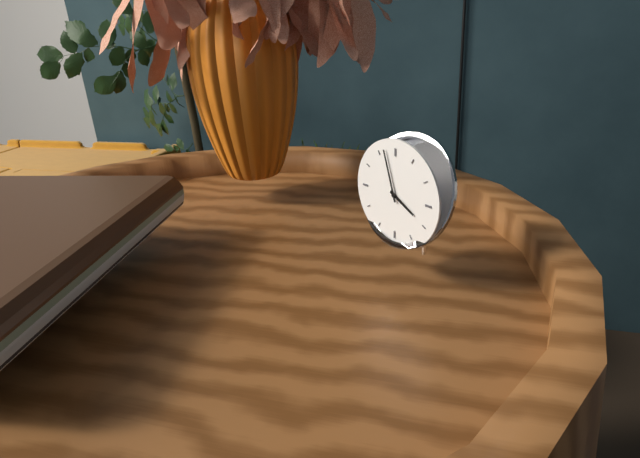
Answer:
3 h 57 min
